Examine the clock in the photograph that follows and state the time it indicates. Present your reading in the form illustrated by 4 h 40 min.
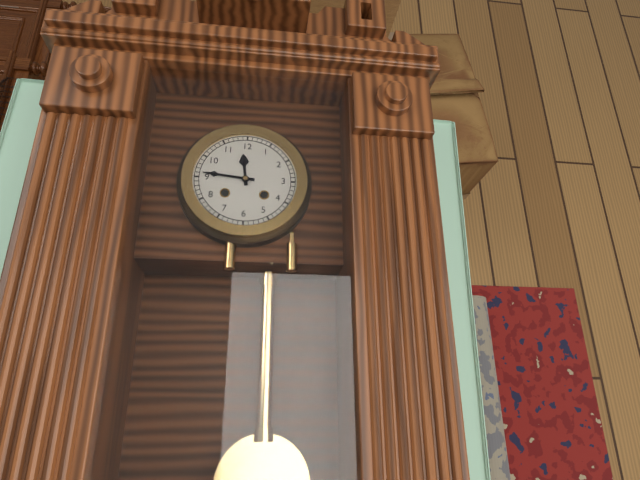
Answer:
11 h 46 min
